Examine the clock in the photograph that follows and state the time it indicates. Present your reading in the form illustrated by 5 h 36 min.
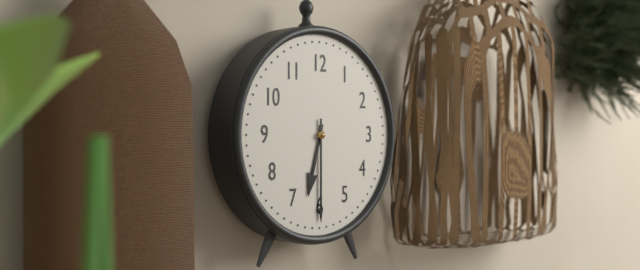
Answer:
6 h 30 min
